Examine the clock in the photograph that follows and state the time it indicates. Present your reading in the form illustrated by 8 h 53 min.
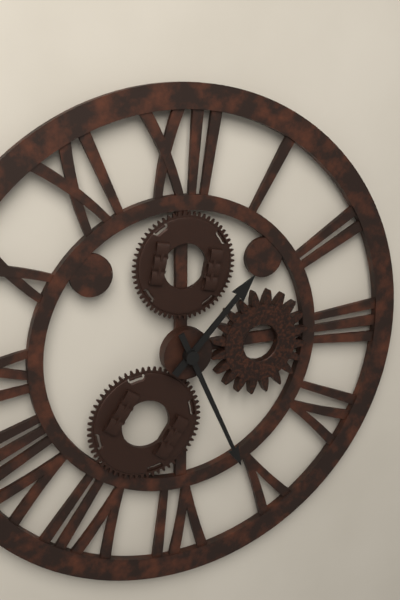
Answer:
1 h 26 min
